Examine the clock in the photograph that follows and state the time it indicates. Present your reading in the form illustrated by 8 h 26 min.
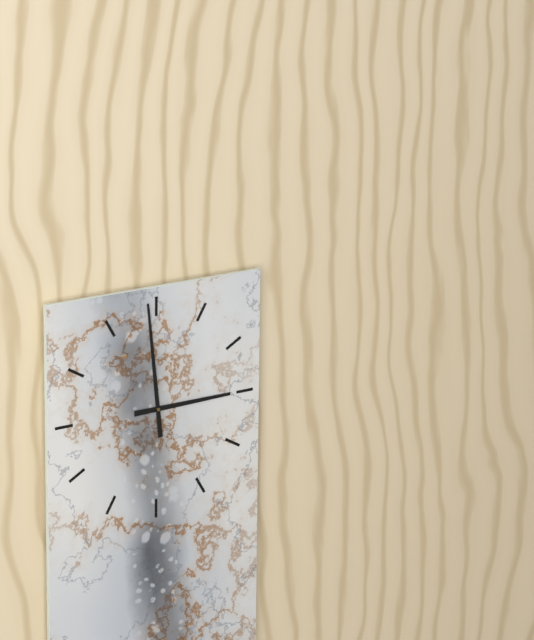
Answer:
2 h 59 min
